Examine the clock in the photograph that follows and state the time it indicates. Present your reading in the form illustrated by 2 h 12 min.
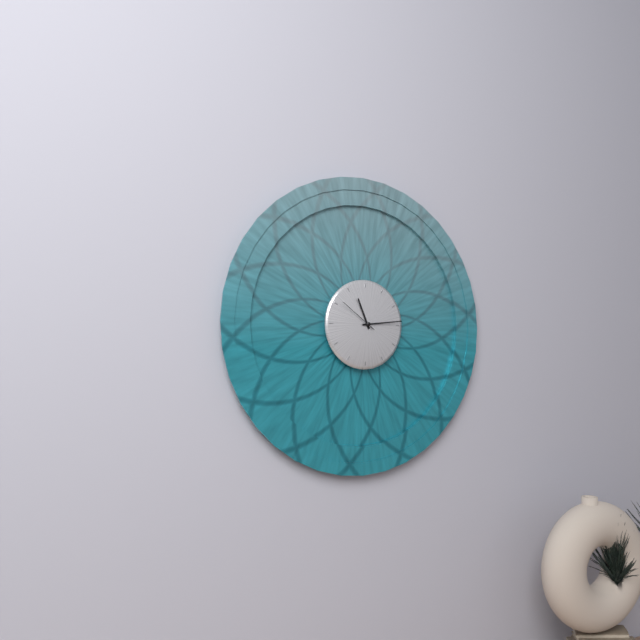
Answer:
11 h 14 min
